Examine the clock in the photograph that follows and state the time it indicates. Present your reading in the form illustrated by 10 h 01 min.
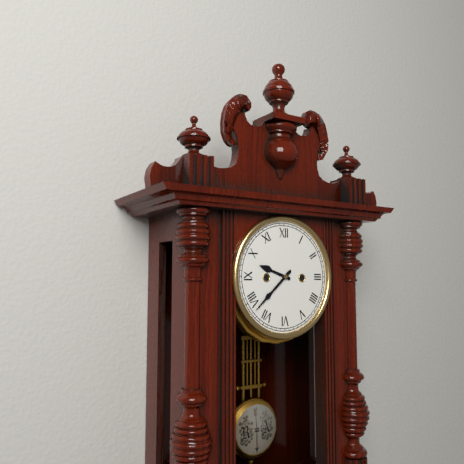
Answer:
9 h 38 min
